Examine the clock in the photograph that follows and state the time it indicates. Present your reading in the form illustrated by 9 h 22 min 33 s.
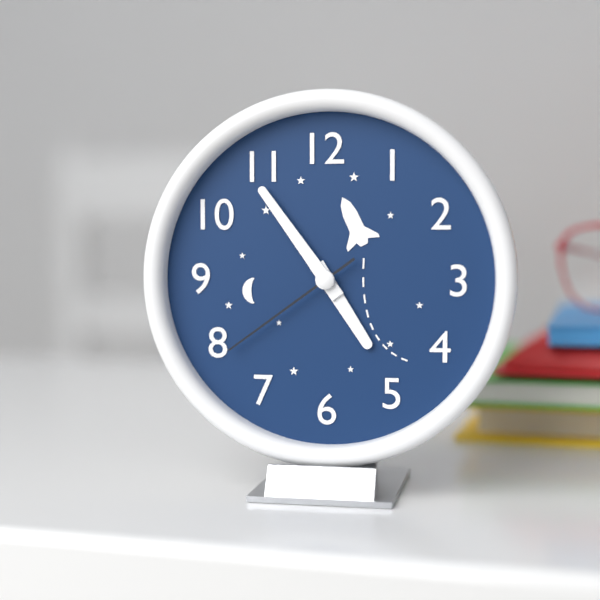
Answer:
4 h 54 min 39 s
